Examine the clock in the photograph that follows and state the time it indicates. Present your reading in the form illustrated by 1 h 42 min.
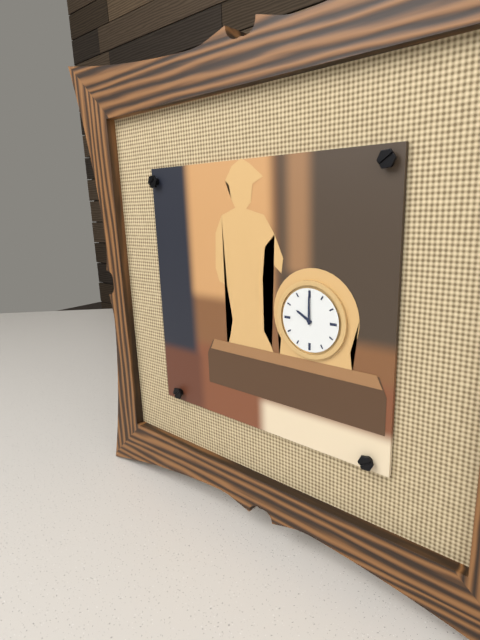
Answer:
10 h 00 min
